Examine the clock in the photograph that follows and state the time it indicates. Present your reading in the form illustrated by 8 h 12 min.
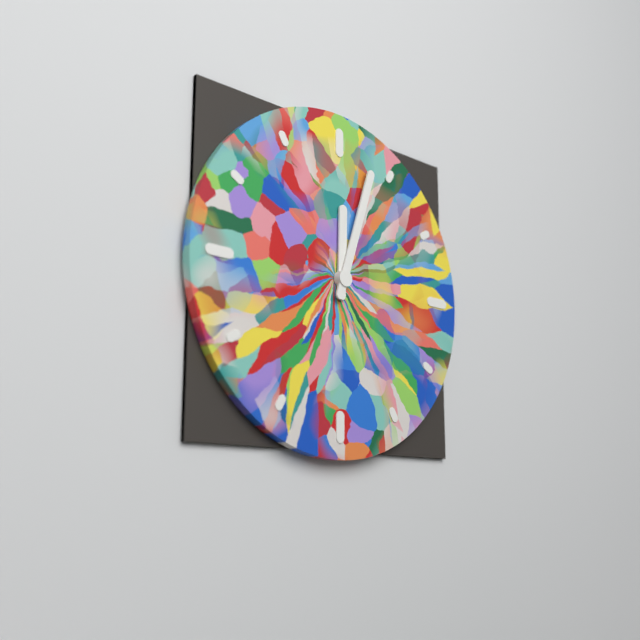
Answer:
12 h 03 min
